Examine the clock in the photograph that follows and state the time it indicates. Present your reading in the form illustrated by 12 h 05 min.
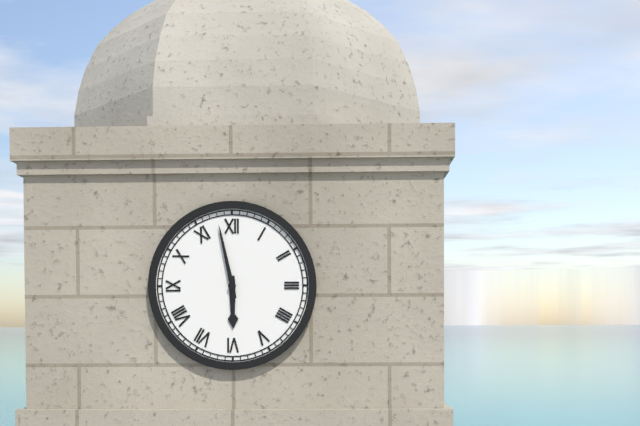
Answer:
5 h 58 min
